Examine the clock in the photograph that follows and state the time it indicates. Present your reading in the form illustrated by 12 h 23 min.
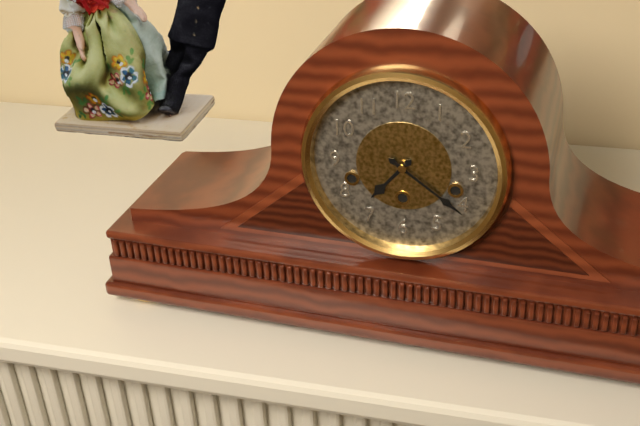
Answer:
7 h 21 min
